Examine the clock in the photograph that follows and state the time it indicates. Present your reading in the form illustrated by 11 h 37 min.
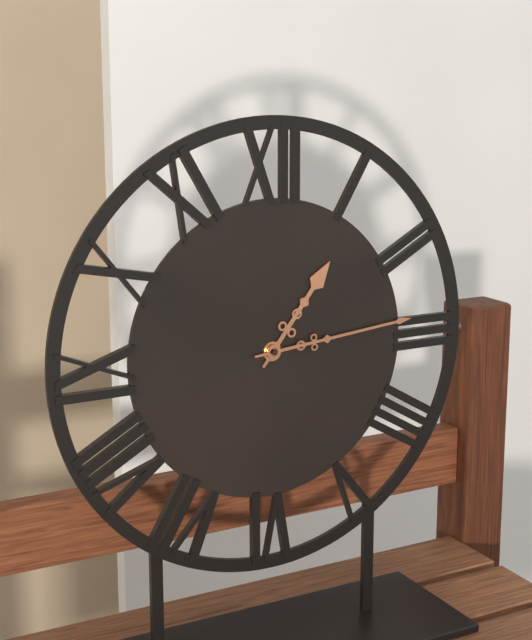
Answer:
1 h 14 min
